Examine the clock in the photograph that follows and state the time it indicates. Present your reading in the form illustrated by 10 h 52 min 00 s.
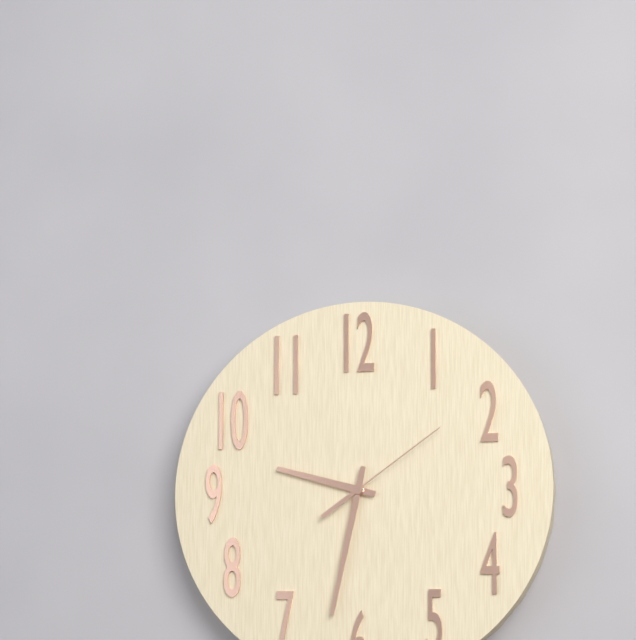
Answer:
9 h 32 min 09 s
